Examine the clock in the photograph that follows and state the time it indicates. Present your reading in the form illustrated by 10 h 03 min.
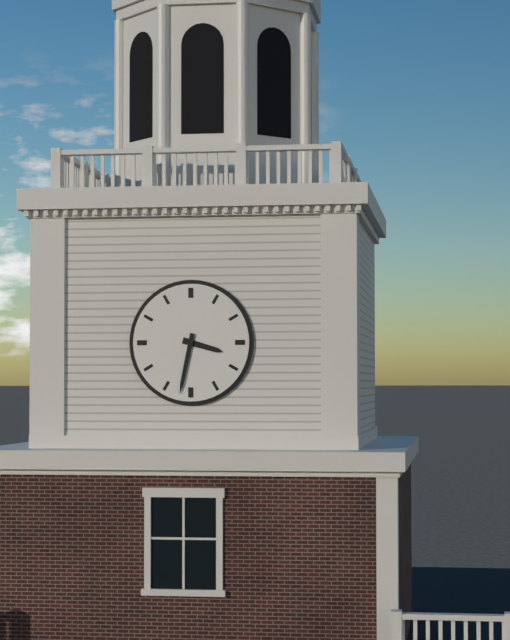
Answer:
3 h 32 min
